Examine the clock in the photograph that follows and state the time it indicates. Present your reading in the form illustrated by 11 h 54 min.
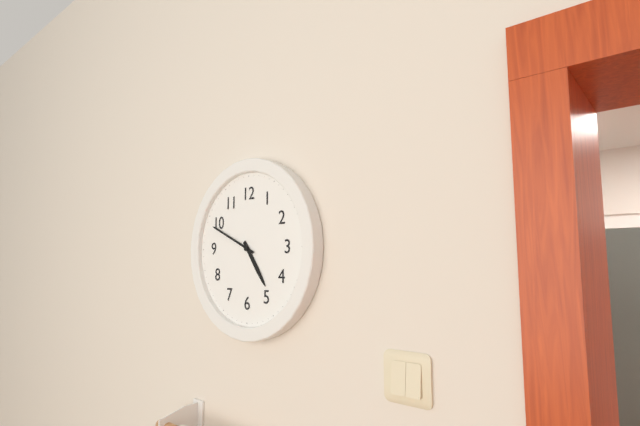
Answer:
4 h 49 min
